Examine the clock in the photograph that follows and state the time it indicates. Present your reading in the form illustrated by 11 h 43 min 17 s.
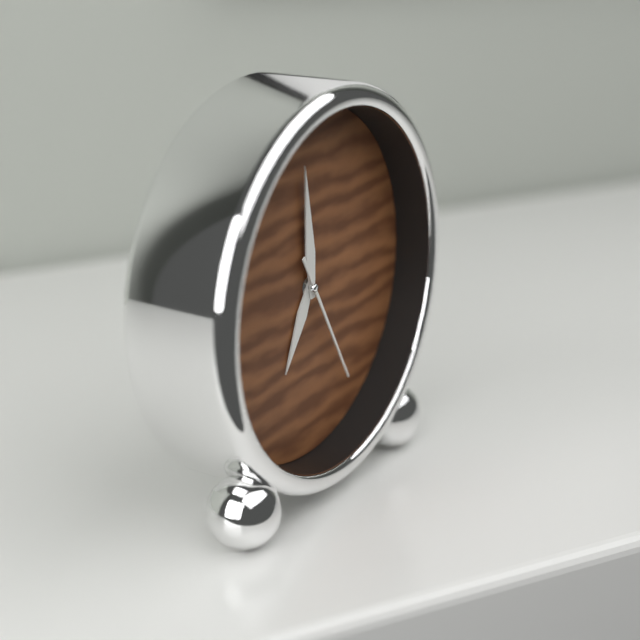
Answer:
6 h 59 min 25 s
